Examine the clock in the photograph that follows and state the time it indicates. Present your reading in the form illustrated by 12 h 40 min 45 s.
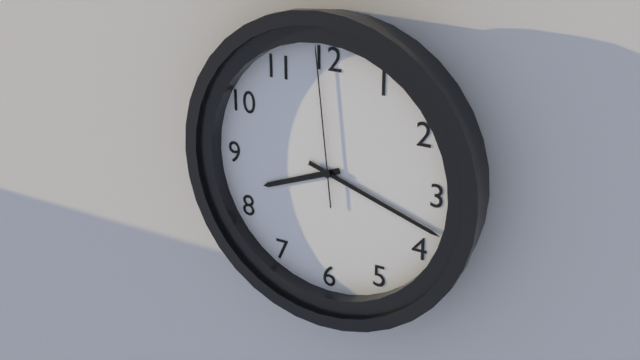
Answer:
8 h 18 min 59 s
